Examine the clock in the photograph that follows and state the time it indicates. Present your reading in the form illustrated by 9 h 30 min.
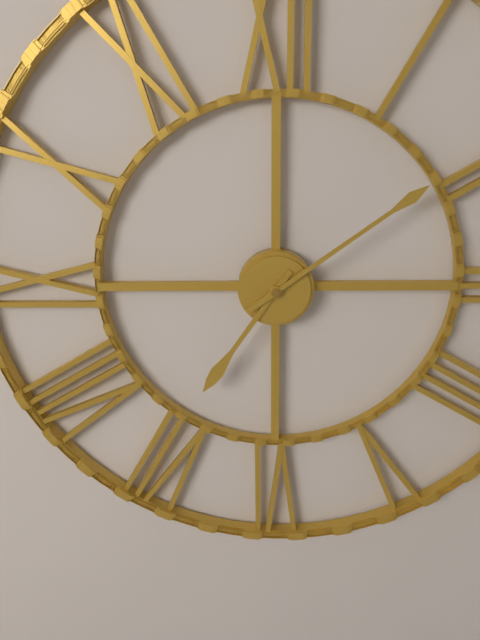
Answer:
7 h 09 min
